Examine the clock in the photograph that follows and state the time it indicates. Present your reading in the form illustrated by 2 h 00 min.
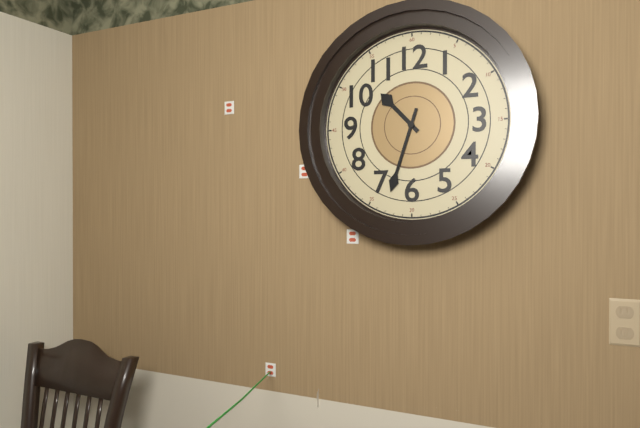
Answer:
10 h 33 min
